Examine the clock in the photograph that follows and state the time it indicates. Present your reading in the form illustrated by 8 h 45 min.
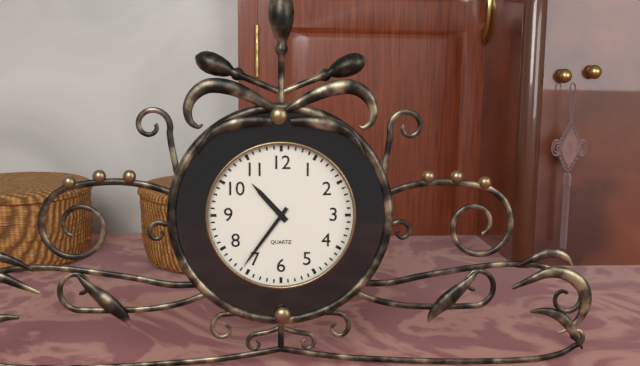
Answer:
10 h 36 min
